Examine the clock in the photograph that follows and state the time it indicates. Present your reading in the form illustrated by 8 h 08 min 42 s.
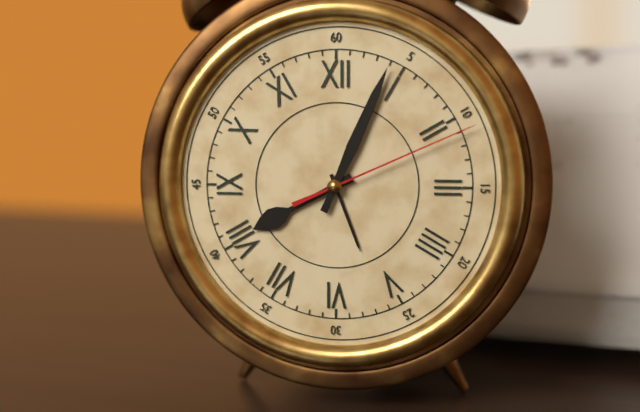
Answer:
8 h 04 min 11 s
